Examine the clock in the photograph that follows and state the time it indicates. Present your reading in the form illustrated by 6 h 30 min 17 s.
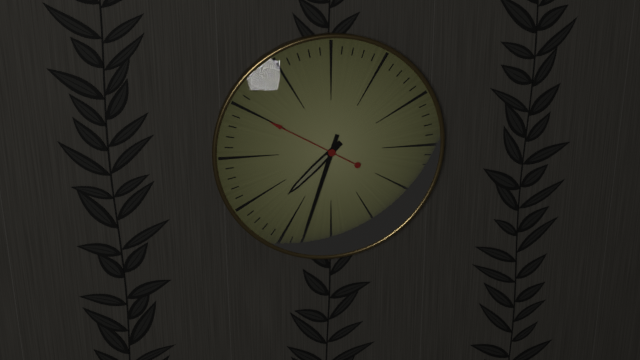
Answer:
7 h 33 min 50 s
